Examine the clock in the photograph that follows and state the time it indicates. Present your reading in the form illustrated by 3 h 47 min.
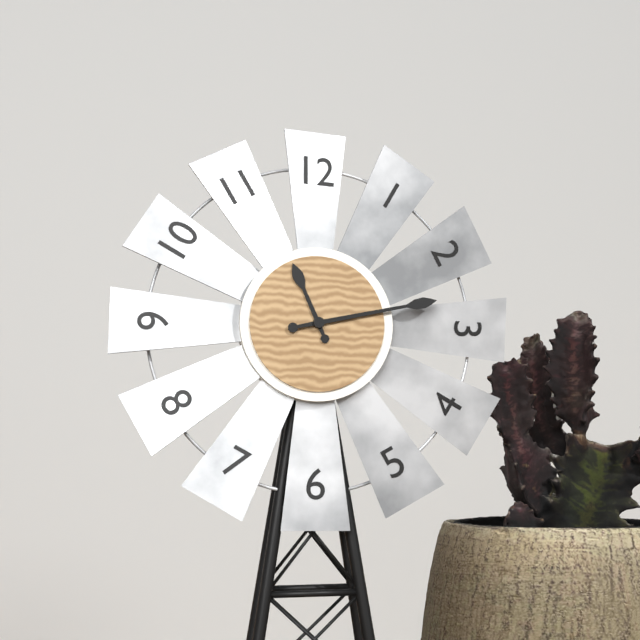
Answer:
11 h 13 min
